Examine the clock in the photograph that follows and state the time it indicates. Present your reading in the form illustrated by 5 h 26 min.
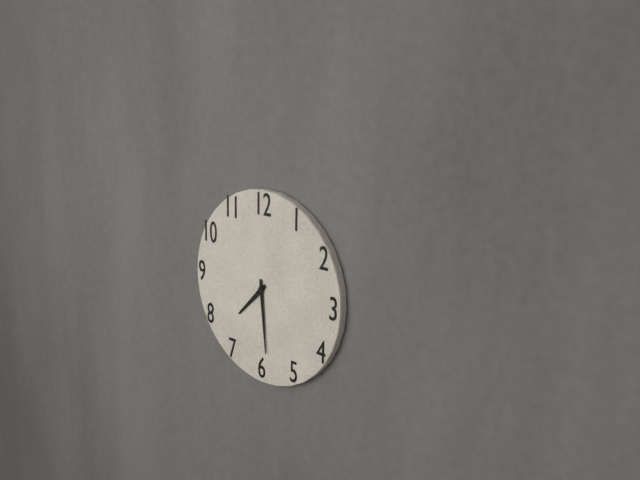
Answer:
7 h 29 min
